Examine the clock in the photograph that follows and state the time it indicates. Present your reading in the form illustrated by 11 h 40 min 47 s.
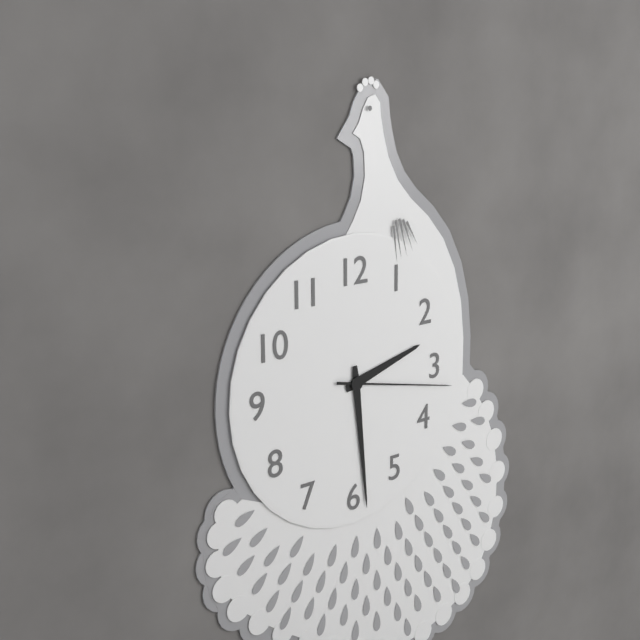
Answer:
2 h 29 min 17 s
